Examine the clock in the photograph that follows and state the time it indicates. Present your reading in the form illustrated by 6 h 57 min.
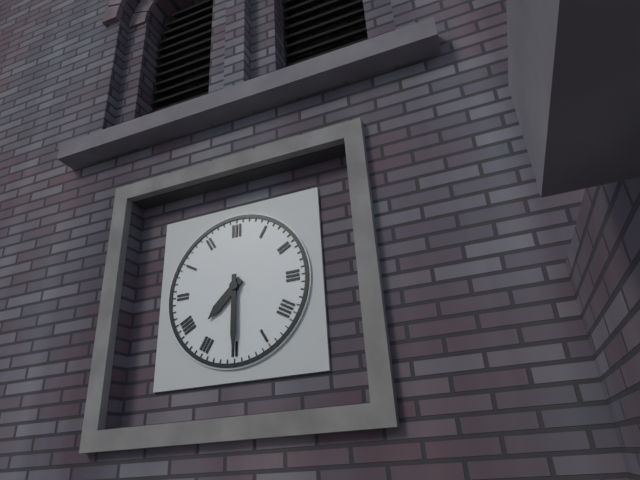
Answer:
7 h 30 min
